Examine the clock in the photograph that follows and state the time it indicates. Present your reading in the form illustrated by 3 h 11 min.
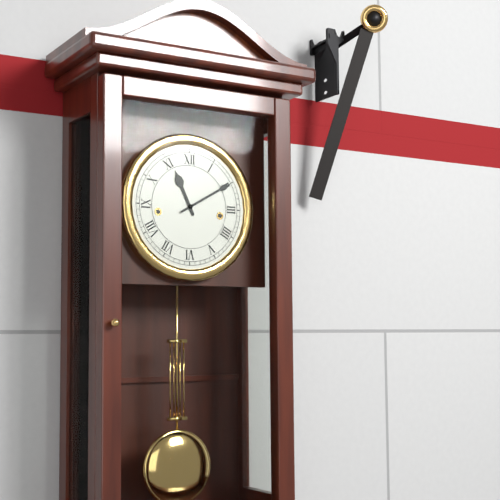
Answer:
11 h 10 min
